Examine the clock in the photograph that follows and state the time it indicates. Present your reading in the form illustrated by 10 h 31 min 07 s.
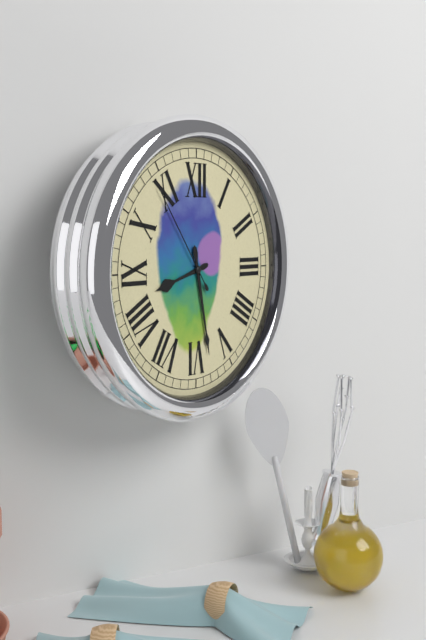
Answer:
8 h 28 min 54 s
